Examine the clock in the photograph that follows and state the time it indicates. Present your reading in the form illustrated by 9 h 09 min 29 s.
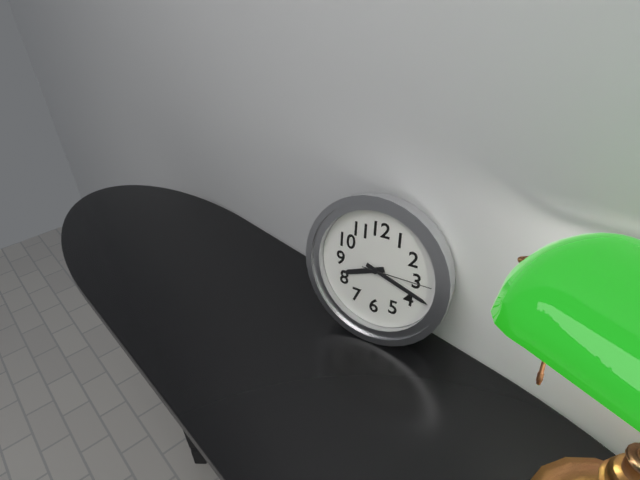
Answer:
8 h 18 min 15 s
